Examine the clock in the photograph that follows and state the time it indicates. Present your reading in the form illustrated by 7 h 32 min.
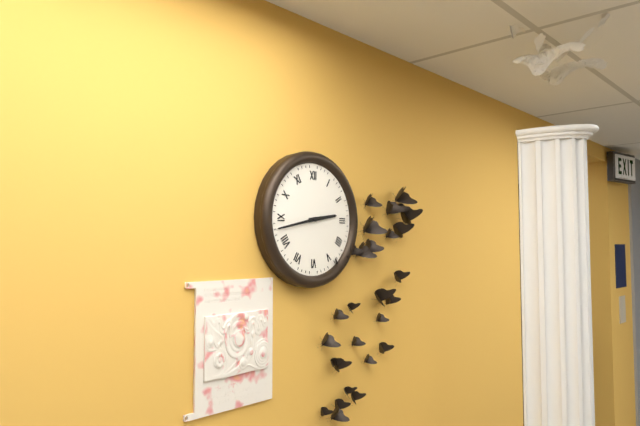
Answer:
2 h 43 min
